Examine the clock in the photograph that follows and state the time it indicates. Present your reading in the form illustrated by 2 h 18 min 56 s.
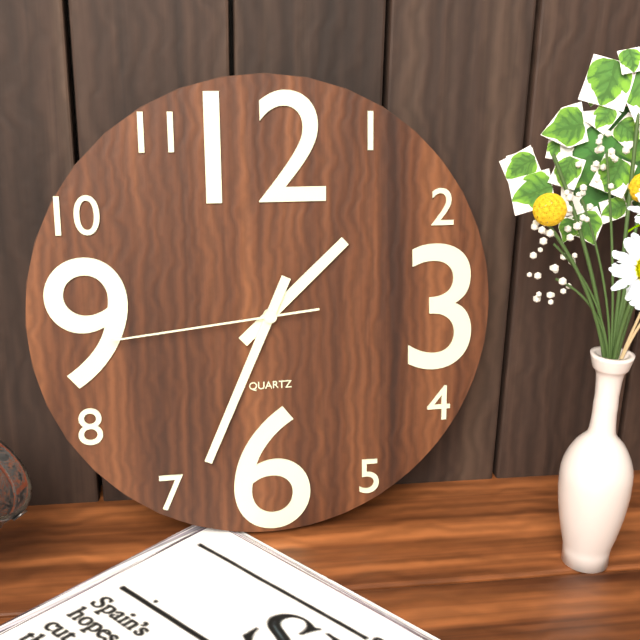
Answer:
1 h 34 min 44 s
